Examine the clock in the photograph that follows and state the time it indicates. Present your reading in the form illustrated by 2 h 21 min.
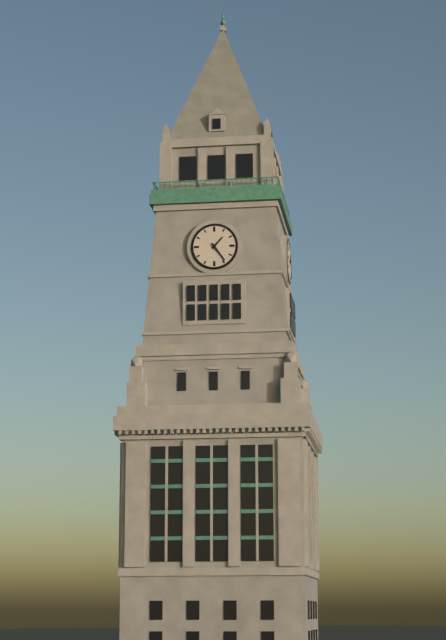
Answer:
1 h 24 min
